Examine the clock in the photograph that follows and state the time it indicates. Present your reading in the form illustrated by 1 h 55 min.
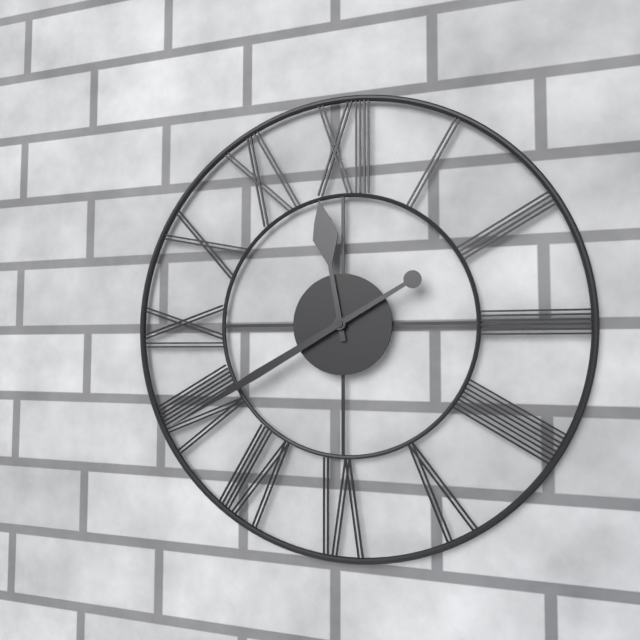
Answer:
11 h 40 min
